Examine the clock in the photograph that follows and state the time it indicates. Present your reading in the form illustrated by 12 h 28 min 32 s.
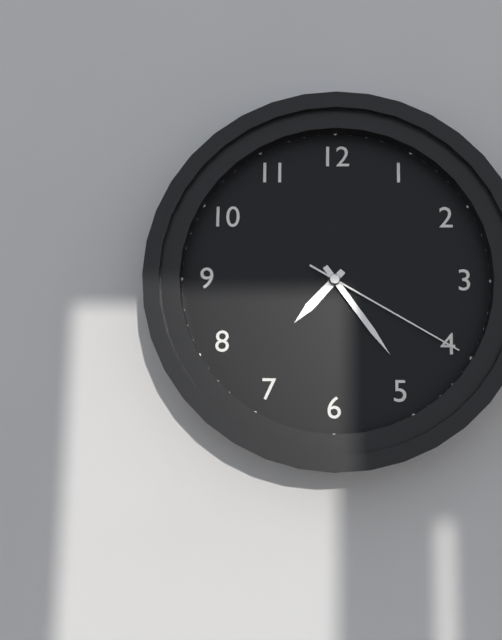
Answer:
7 h 24 min 20 s
